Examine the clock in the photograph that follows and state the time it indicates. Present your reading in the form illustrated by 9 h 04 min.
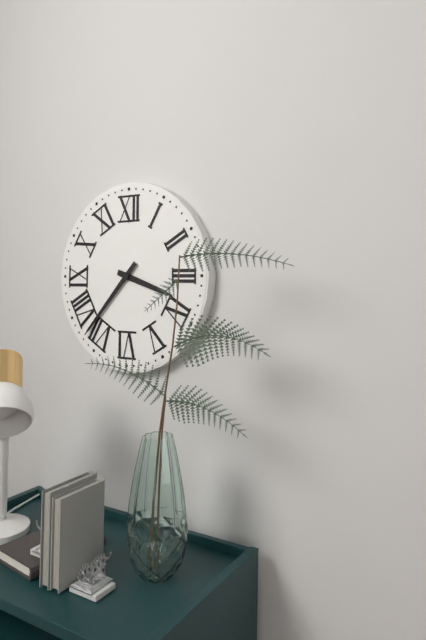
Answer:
3 h 37 min
